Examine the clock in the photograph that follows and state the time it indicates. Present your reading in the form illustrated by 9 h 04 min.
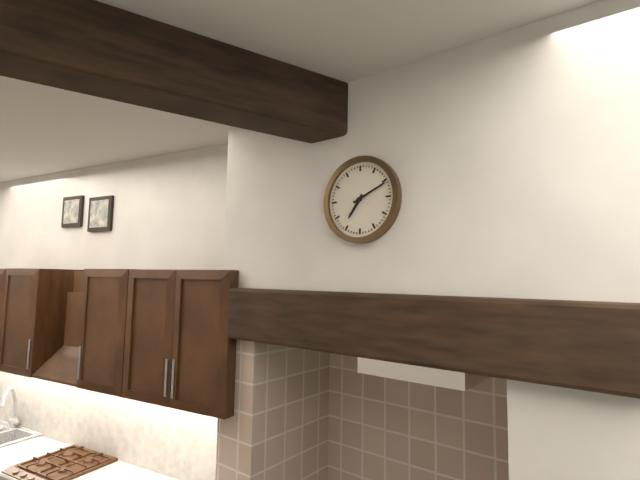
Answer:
7 h 11 min
